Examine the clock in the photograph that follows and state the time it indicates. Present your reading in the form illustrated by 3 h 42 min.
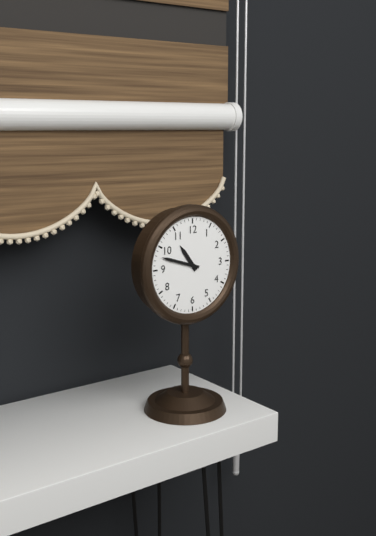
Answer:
10 h 48 min
